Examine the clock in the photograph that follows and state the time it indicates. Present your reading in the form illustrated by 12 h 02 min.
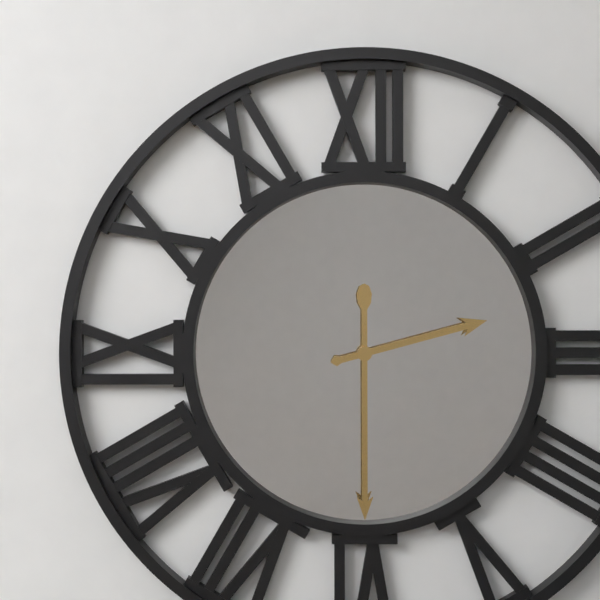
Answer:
2 h 30 min
